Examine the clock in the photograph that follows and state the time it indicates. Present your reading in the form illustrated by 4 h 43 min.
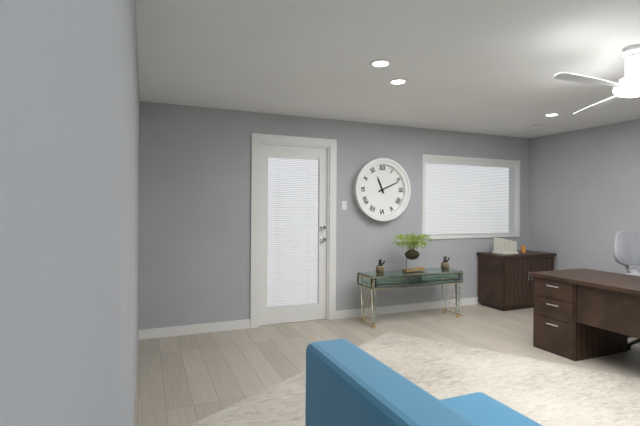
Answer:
11 h 11 min
